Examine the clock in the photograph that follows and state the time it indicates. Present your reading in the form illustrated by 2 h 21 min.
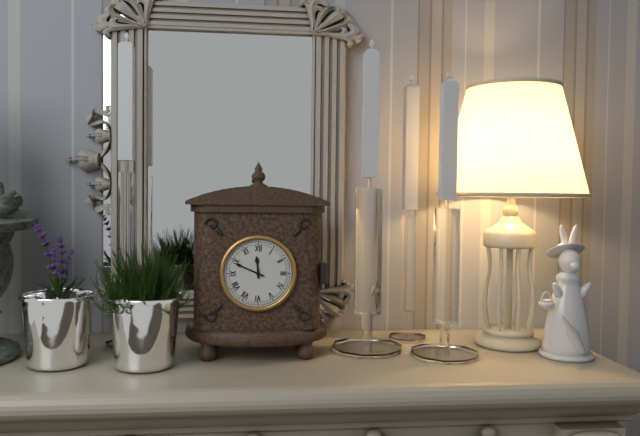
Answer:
11 h 49 min
